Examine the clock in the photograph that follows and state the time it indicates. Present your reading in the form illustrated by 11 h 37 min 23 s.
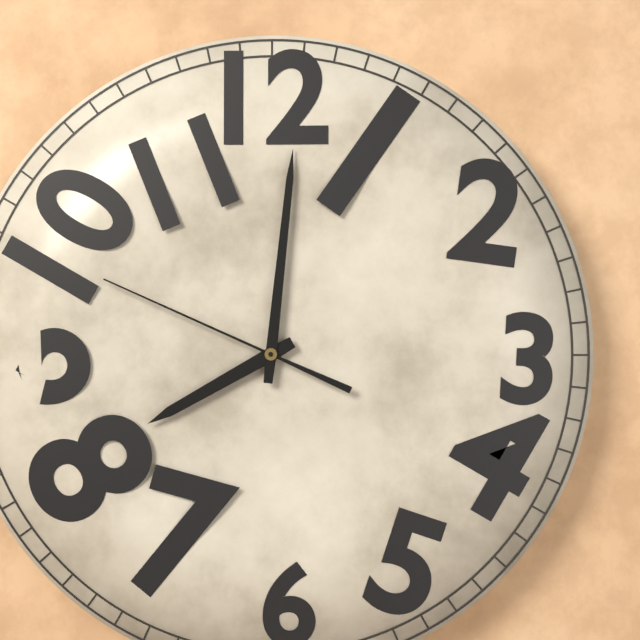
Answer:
8 h 01 min 49 s
